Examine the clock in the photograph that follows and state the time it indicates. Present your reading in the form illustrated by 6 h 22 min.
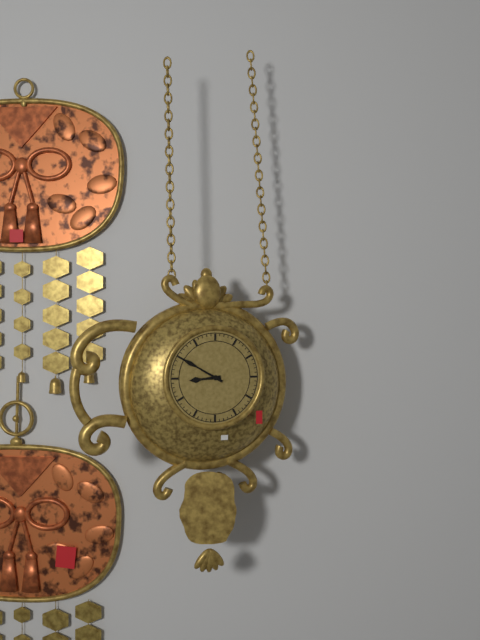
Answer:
8 h 50 min
